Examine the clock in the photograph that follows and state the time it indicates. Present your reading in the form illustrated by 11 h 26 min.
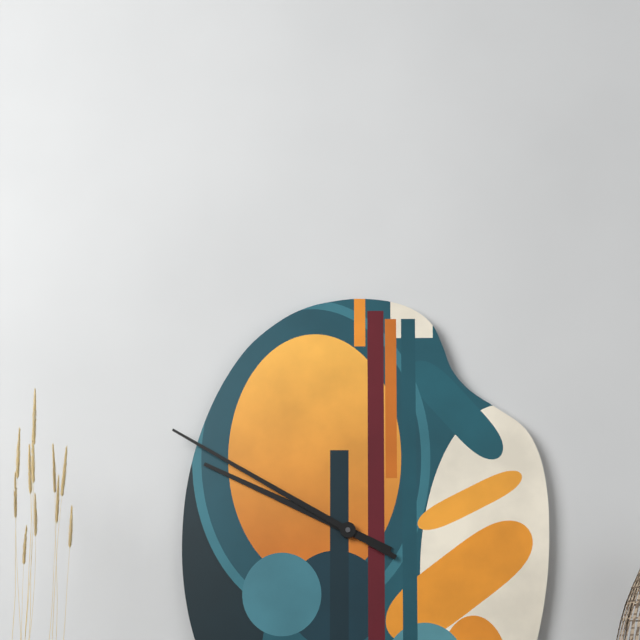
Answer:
9 h 50 min
